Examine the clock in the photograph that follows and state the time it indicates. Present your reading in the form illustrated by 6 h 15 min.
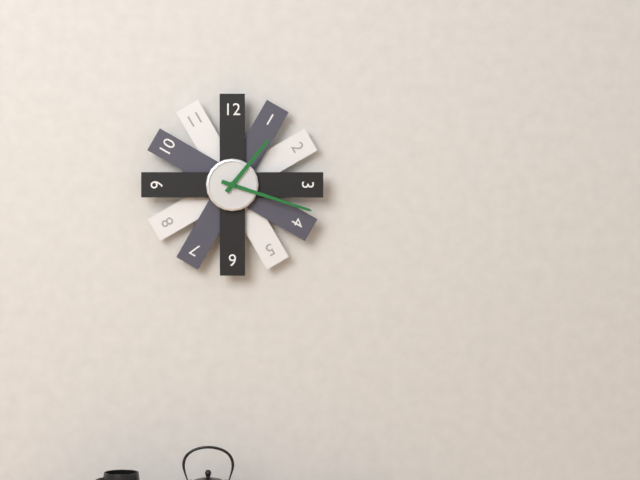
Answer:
1 h 18 min
